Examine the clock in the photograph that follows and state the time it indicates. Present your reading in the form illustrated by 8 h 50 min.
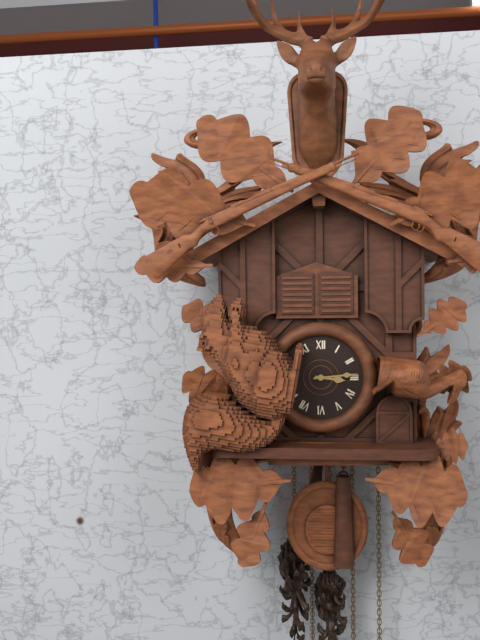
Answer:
3 h 14 min
